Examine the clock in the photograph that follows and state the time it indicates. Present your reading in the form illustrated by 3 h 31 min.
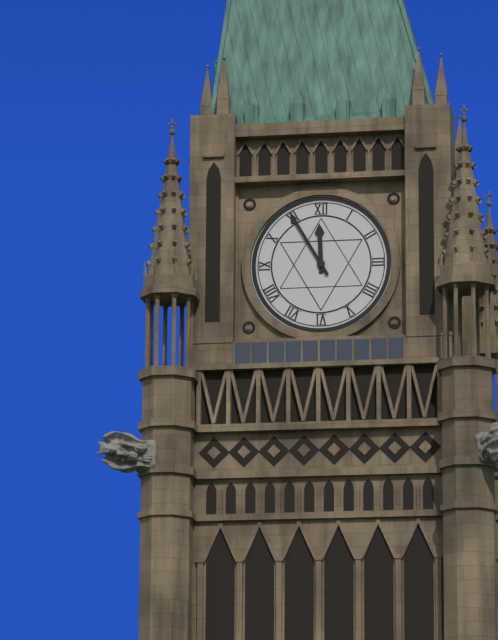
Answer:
11 h 55 min
